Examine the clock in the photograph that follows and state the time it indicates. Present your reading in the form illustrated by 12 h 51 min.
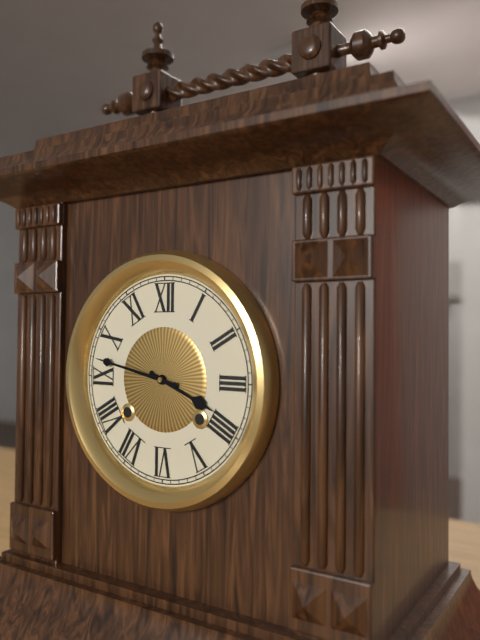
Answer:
3 h 47 min
